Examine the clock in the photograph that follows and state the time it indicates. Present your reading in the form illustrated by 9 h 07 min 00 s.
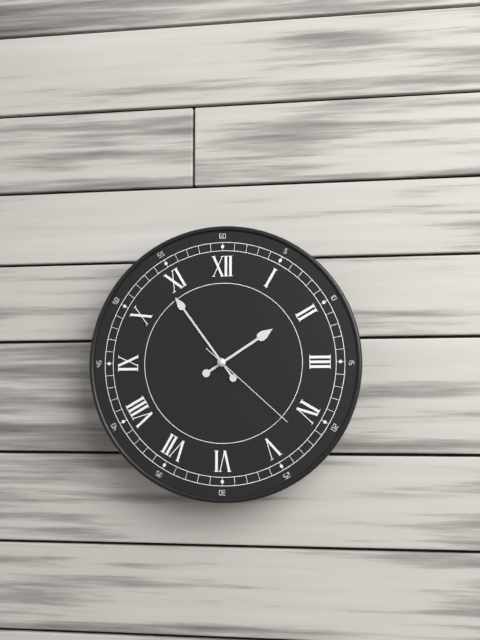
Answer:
1 h 54 min 22 s
